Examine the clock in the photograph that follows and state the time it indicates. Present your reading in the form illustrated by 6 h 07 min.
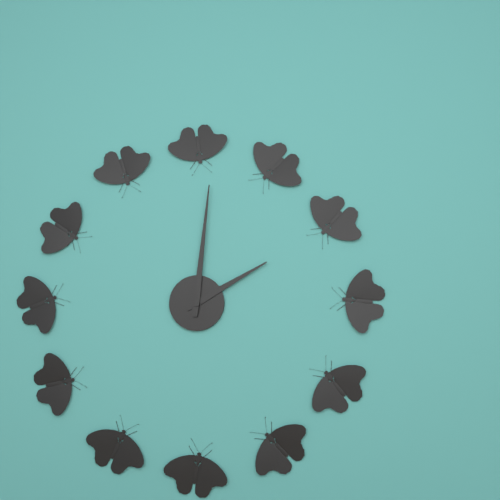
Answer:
2 h 01 min
